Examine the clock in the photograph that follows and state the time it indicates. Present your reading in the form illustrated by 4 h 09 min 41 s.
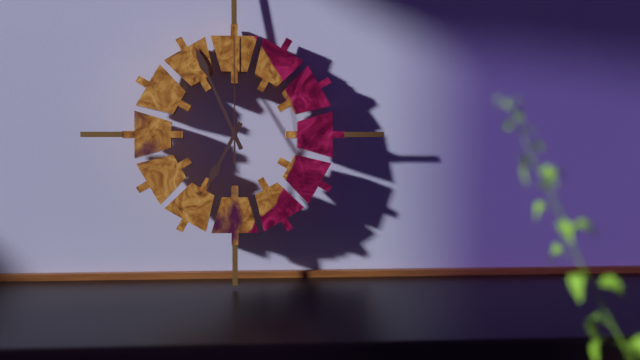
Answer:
6 h 56 min 00 s
